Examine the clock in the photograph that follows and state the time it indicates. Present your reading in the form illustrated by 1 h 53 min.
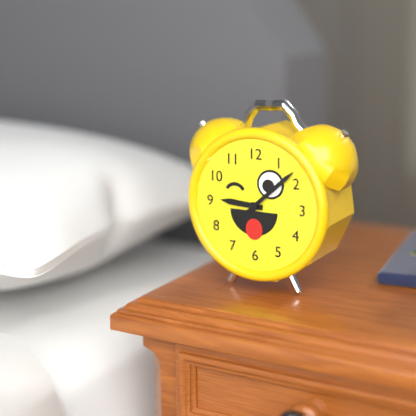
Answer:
9 h 08 min
